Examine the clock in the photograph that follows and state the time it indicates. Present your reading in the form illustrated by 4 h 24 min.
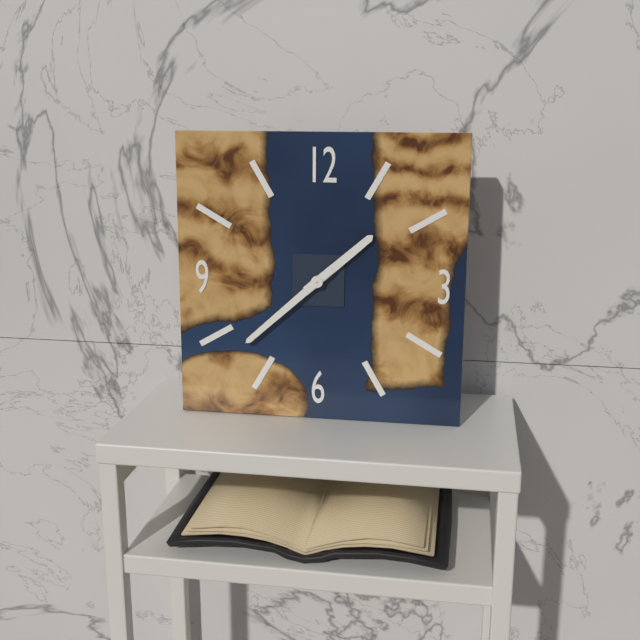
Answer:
1 h 38 min
